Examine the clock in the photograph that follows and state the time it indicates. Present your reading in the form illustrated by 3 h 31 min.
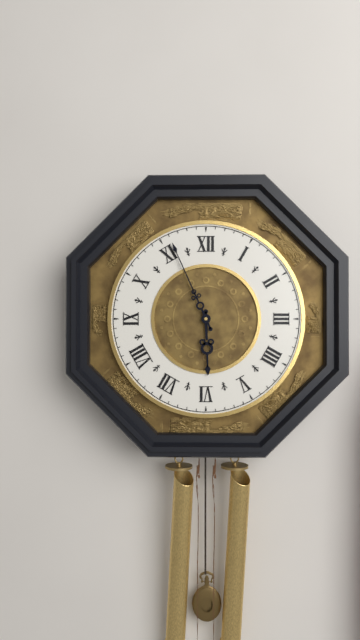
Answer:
5 h 56 min
